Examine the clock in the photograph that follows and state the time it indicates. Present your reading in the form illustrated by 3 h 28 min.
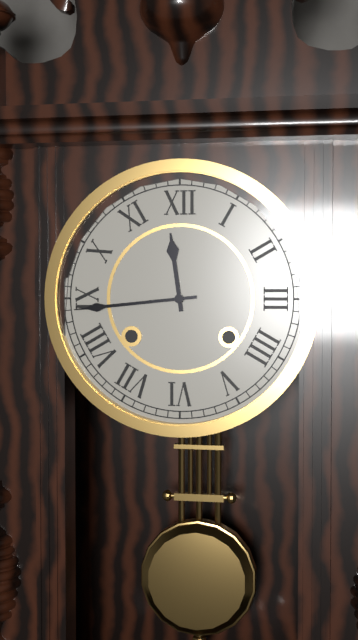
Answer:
11 h 44 min
